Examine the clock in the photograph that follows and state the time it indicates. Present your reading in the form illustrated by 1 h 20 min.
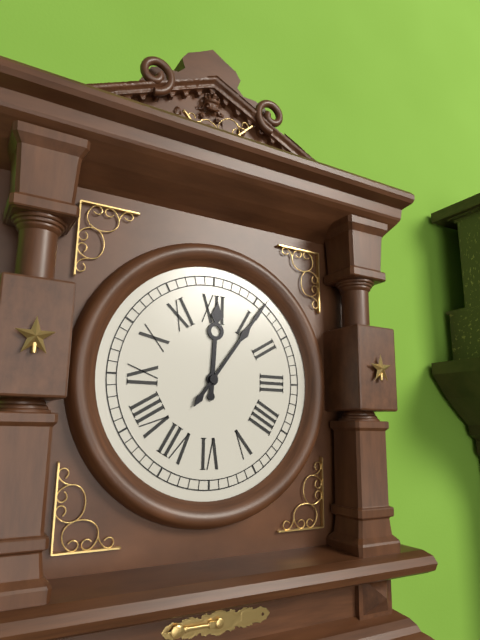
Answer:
12 h 06 min
